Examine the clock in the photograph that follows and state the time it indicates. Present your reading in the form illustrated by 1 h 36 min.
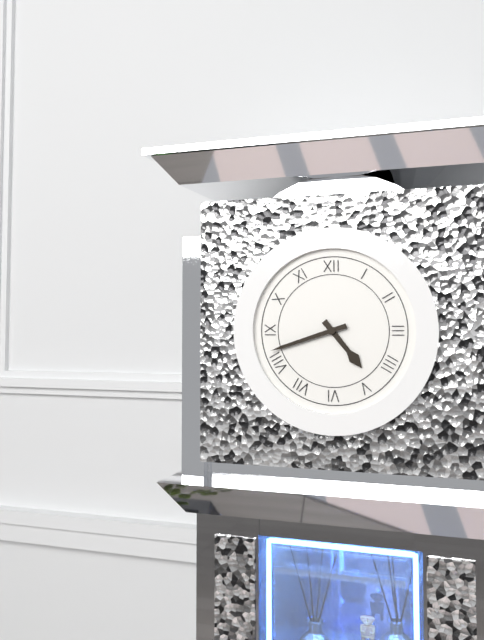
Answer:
4 h 42 min
